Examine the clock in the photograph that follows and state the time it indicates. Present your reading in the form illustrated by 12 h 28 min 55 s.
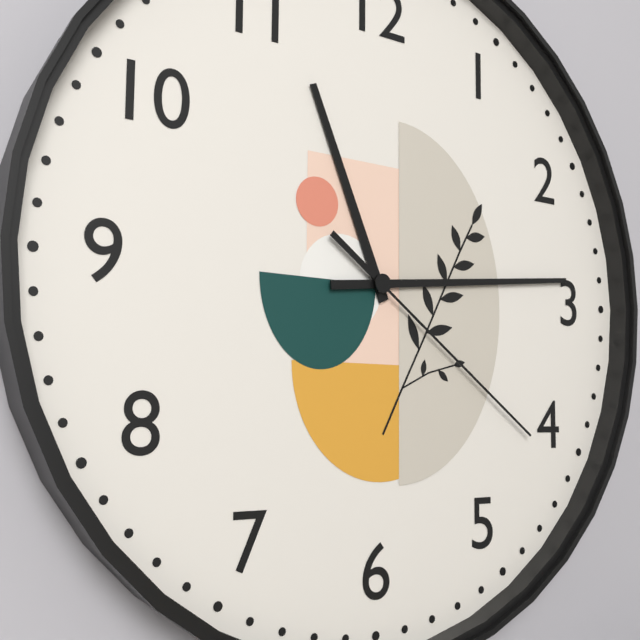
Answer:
11 h 14 min 21 s
